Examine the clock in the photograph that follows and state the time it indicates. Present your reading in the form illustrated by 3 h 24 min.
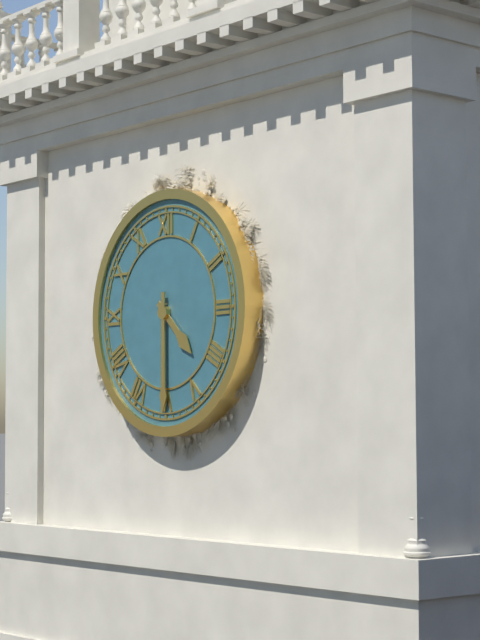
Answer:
4 h 30 min
